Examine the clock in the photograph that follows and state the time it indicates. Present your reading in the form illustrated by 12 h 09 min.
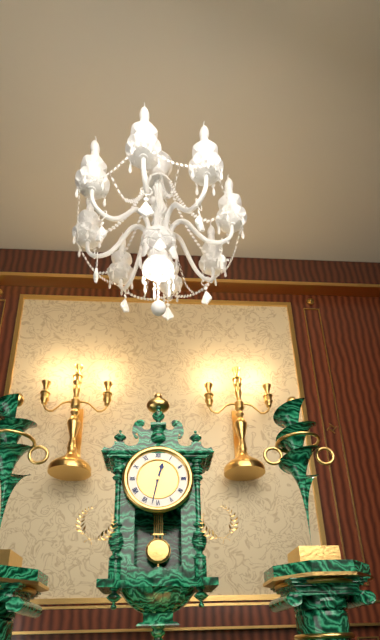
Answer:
12 h 32 min
